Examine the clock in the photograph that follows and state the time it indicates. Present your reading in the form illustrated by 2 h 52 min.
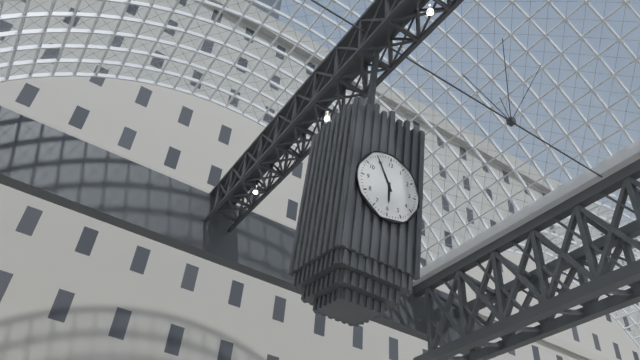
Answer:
5 h 55 min
